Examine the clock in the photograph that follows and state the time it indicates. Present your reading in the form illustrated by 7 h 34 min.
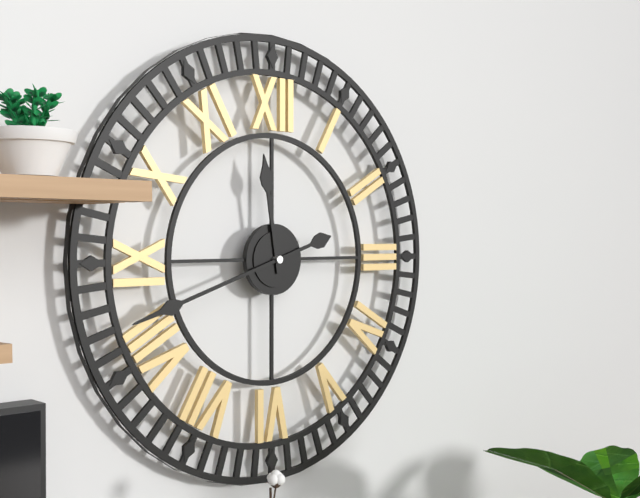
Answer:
11 h 42 min
